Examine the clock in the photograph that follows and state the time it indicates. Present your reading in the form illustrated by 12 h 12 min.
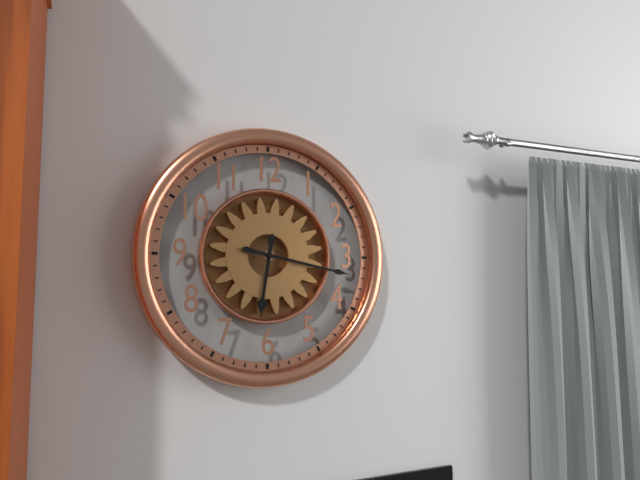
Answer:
6 h 17 min
